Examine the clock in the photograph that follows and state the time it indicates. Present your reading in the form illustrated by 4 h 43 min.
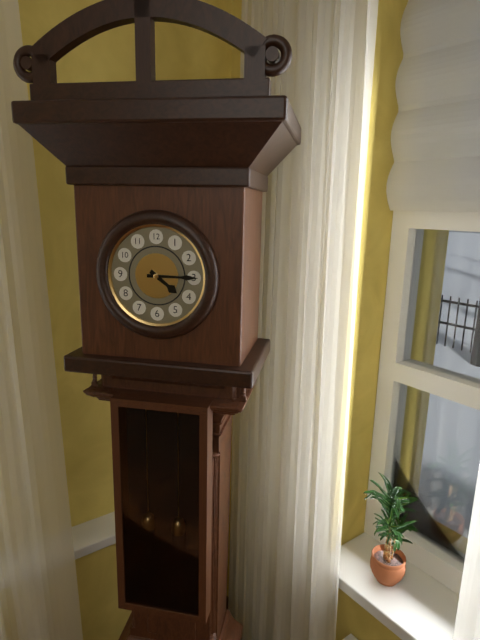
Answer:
4 h 15 min
